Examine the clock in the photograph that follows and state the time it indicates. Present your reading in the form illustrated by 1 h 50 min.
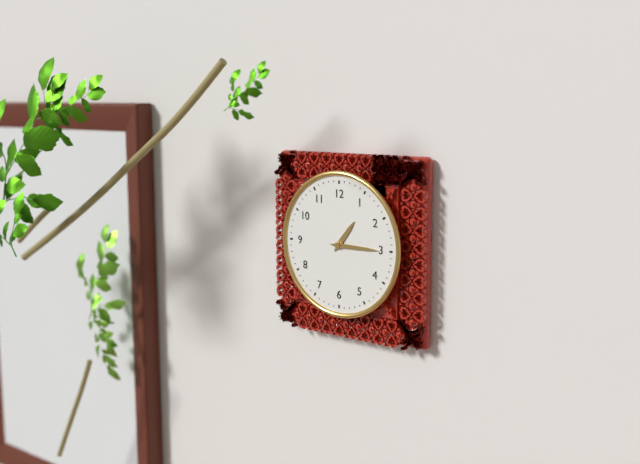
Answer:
1 h 15 min
